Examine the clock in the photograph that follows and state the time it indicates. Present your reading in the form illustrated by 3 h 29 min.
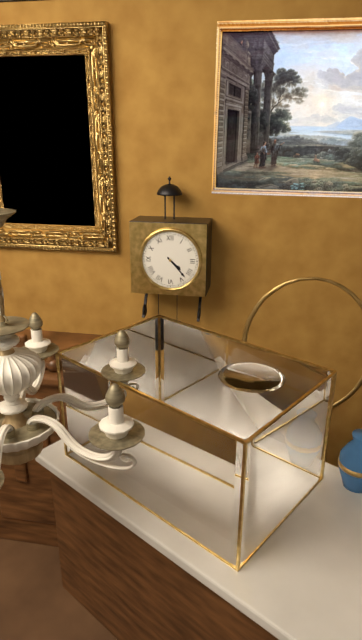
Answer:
4 h 23 min
